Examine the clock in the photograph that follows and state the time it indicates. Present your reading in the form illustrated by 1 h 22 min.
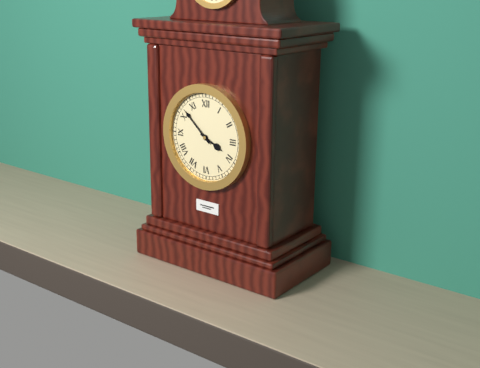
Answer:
3 h 52 min
